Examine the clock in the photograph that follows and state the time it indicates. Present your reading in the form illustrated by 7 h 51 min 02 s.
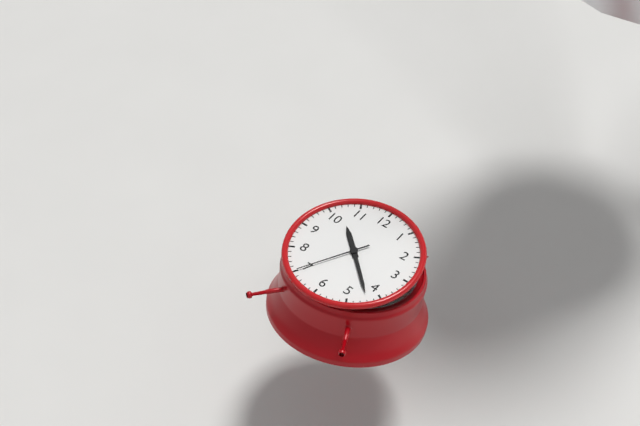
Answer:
10 h 22 min 35 s
